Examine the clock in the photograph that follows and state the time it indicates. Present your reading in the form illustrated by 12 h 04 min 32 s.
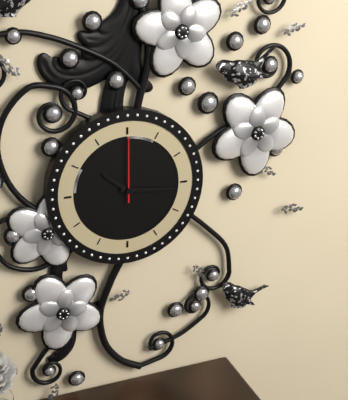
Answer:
10 h 16 min 00 s
